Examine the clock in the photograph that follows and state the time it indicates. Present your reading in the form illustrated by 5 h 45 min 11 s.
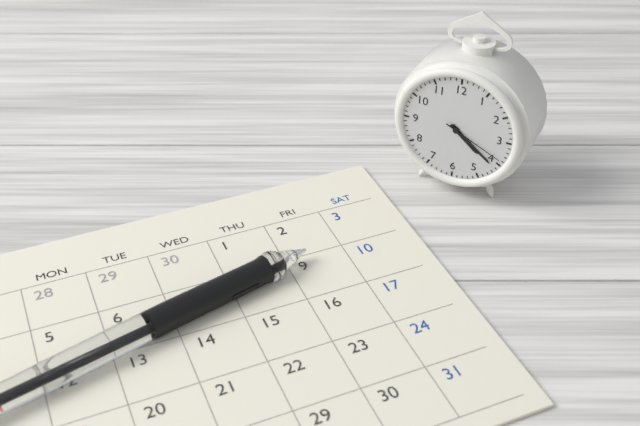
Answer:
4 h 21 min 19 s
